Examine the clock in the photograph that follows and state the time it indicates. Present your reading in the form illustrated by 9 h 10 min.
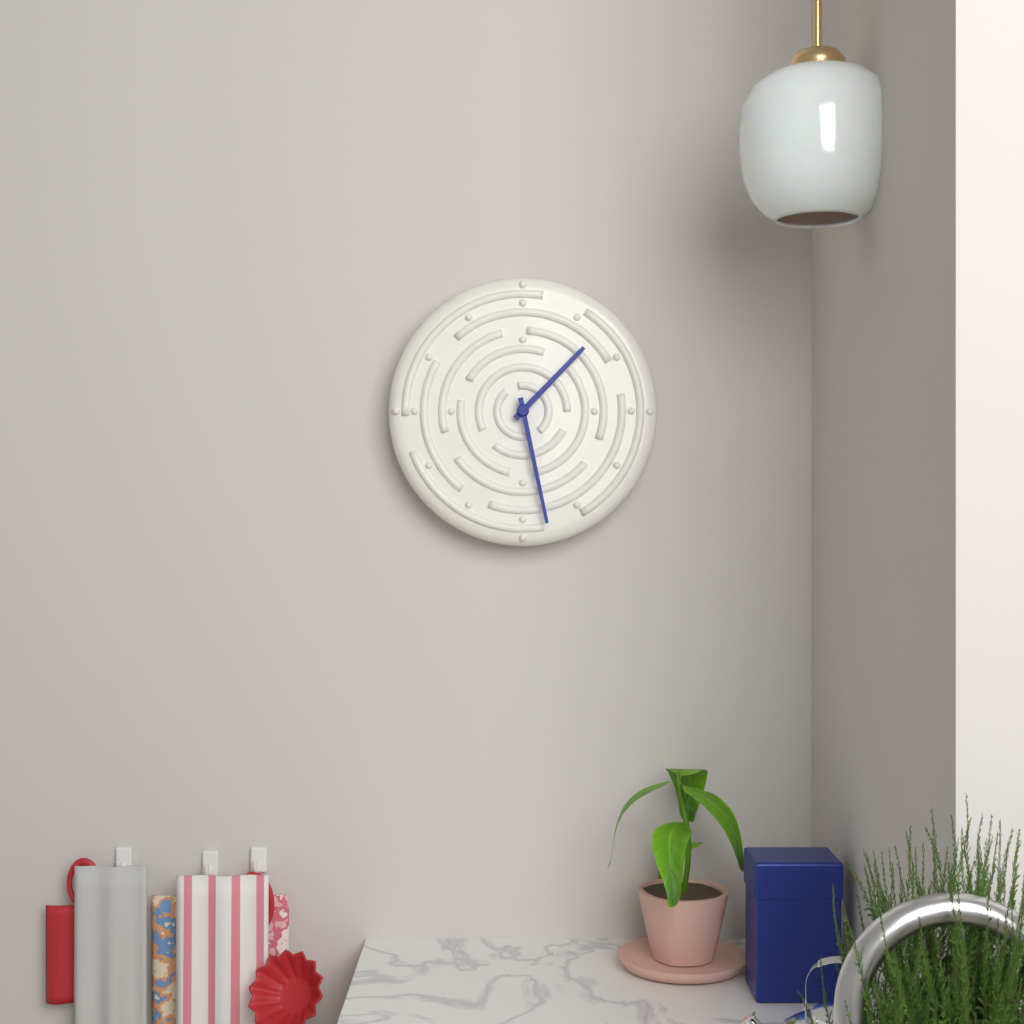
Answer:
1 h 28 min
